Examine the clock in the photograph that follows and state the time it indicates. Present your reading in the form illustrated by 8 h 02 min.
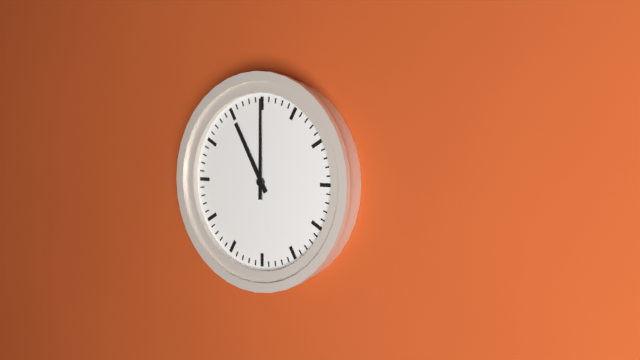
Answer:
11 h 00 min
